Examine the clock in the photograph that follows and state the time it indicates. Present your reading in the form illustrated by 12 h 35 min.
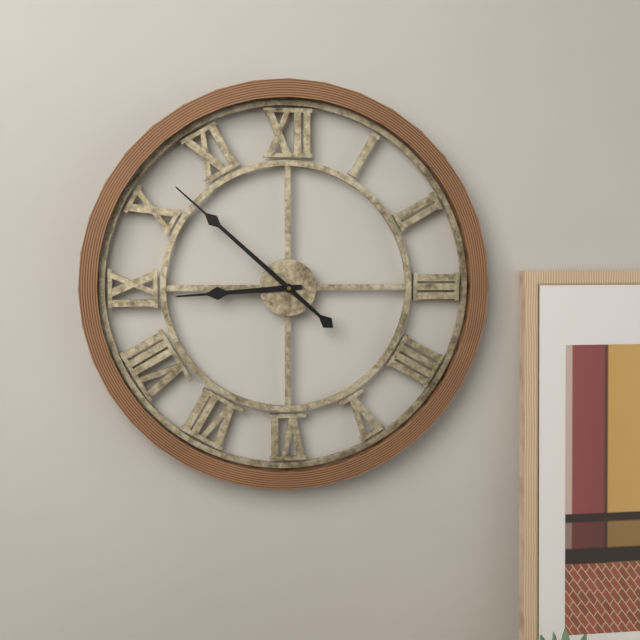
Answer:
8 h 52 min
